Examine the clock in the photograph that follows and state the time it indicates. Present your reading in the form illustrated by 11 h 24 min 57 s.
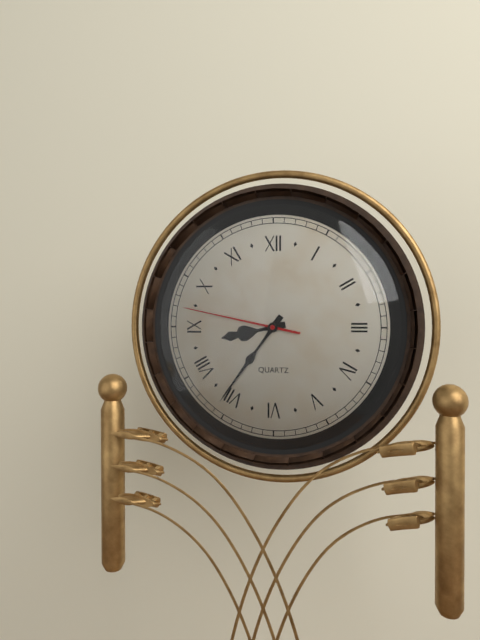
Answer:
8 h 36 min 47 s
